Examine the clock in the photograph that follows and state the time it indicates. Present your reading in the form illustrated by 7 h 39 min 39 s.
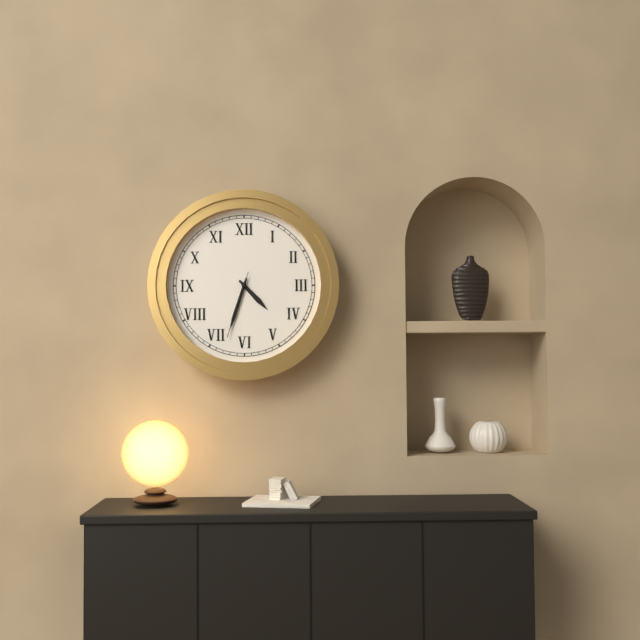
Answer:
4 h 33 min 33 s
